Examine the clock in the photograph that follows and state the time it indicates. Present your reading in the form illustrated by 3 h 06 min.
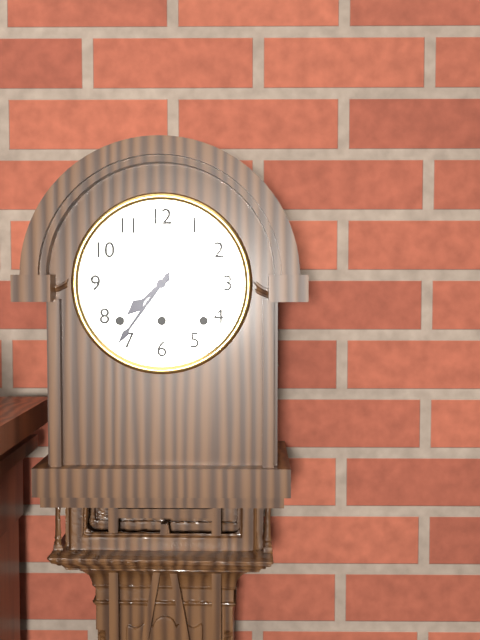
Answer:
7 h 36 min
